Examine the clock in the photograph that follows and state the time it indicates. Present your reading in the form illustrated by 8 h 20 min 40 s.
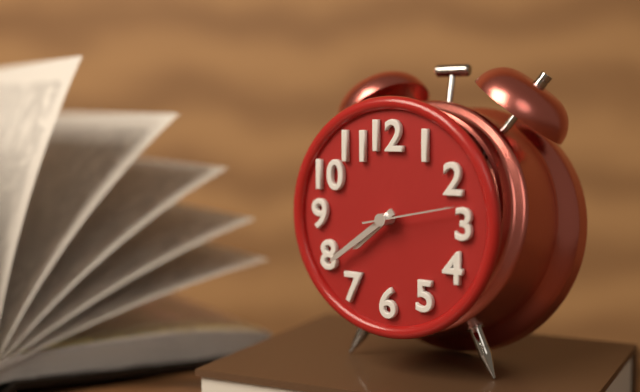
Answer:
7 h 39 min 13 s
